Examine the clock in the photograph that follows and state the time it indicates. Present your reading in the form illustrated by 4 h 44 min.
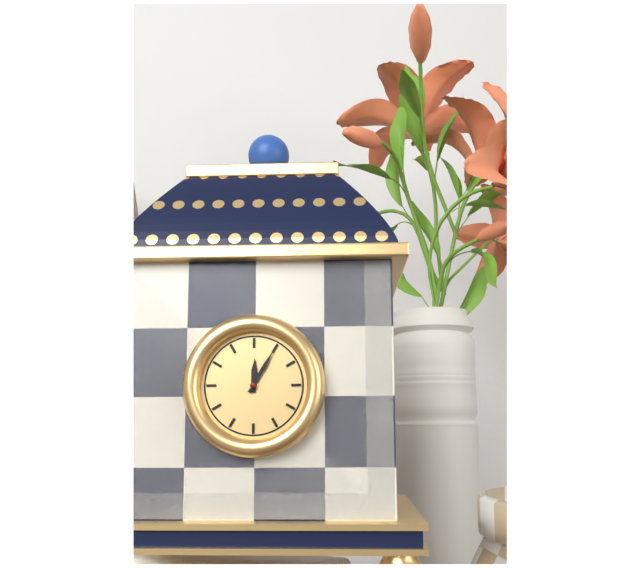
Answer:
12 h 05 min
